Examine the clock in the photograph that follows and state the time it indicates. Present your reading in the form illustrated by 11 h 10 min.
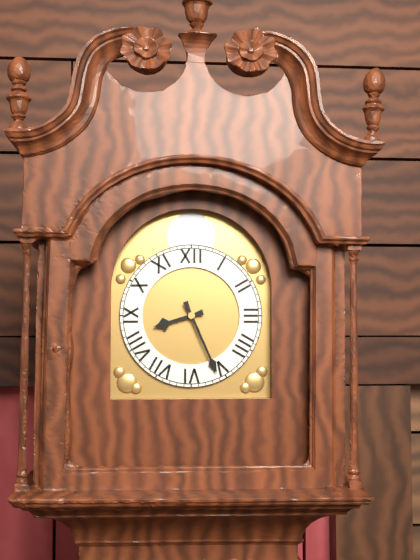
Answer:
8 h 26 min
